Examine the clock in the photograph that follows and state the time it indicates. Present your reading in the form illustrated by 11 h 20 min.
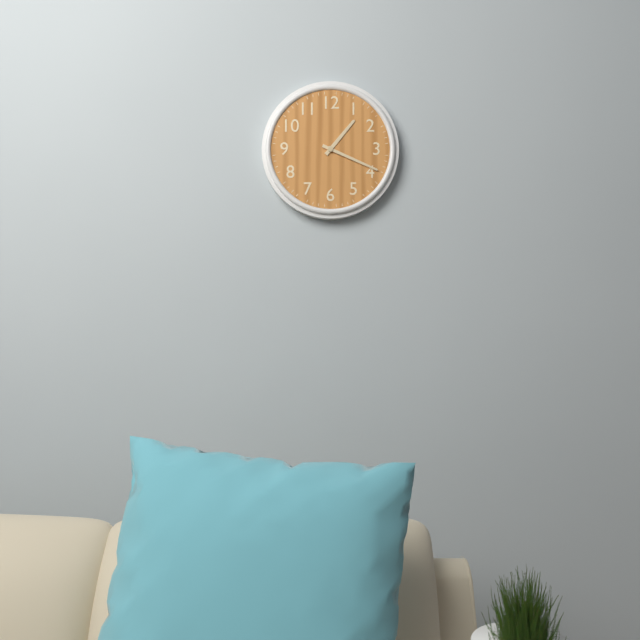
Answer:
1 h 19 min
